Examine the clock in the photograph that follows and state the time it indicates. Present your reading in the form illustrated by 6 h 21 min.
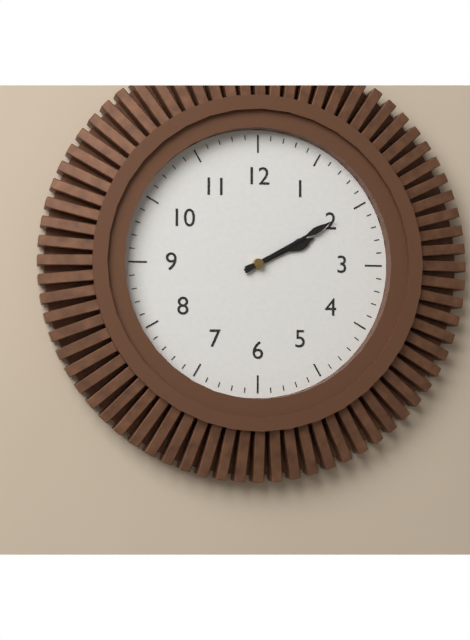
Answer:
2 h 10 min
